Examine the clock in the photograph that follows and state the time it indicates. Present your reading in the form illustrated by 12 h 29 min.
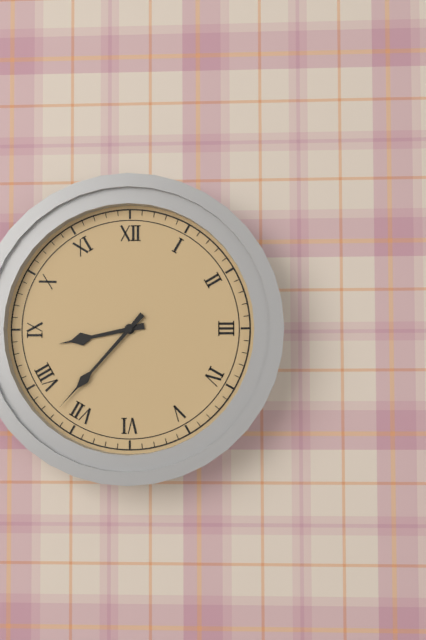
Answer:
8 h 37 min
